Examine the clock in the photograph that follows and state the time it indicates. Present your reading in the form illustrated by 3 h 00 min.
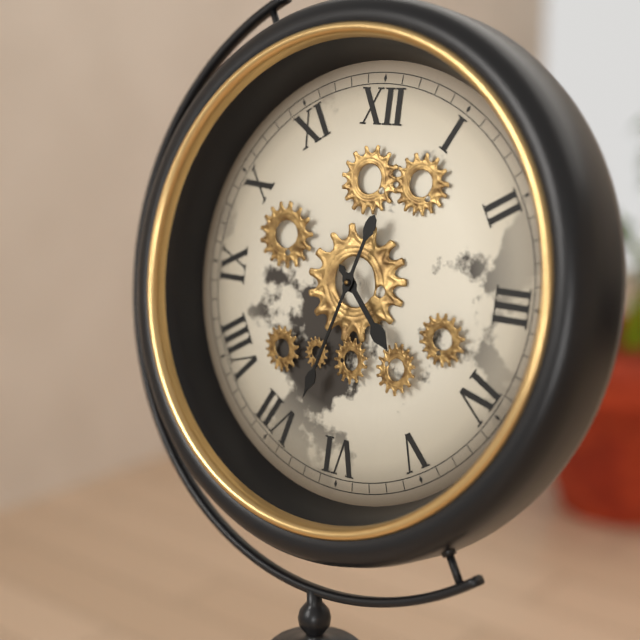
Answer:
4 h 33 min
